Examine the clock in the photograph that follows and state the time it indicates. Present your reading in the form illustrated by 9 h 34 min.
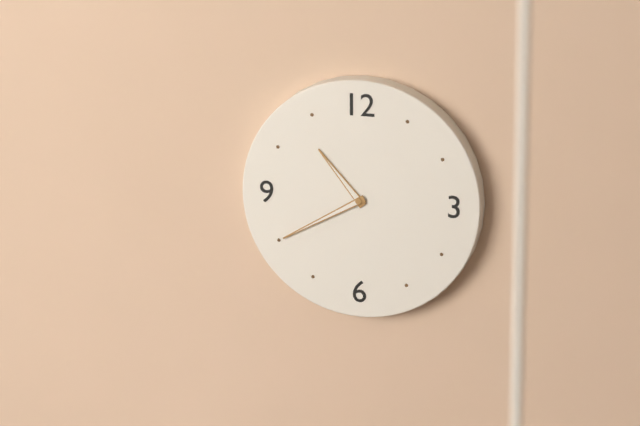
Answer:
10 h 40 min
